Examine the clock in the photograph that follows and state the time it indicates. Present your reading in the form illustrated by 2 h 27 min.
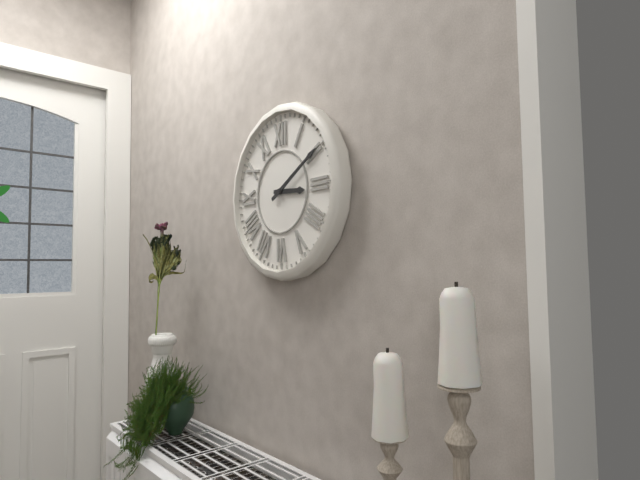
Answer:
3 h 10 min
